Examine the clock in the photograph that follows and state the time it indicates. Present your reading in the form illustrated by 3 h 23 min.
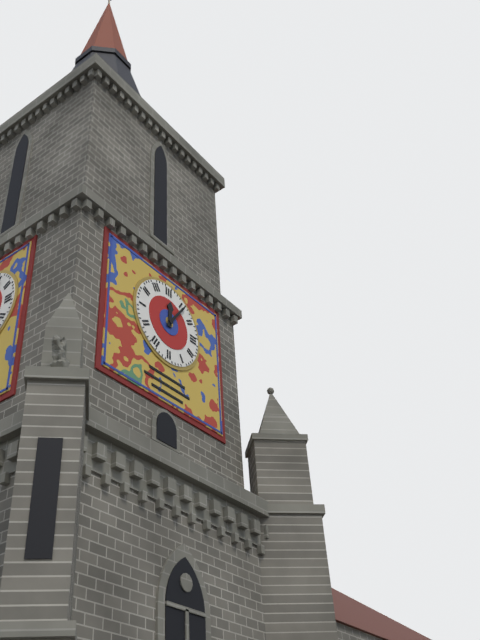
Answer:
12 h 06 min
